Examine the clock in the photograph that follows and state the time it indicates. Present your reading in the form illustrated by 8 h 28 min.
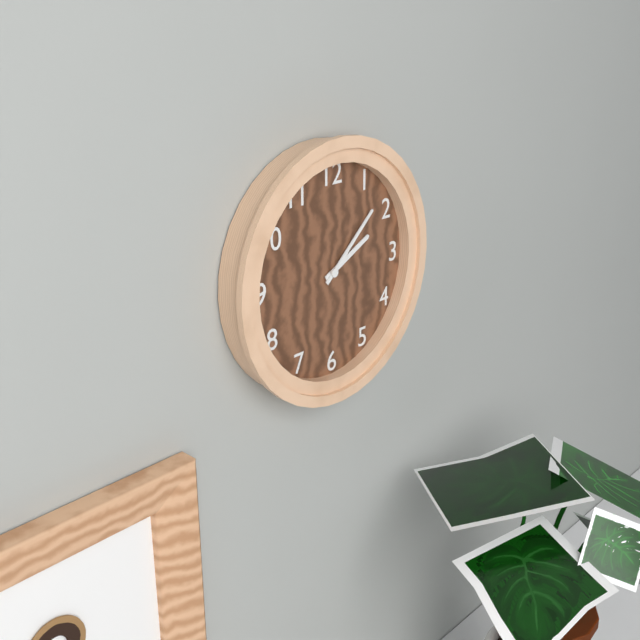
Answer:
2 h 08 min
